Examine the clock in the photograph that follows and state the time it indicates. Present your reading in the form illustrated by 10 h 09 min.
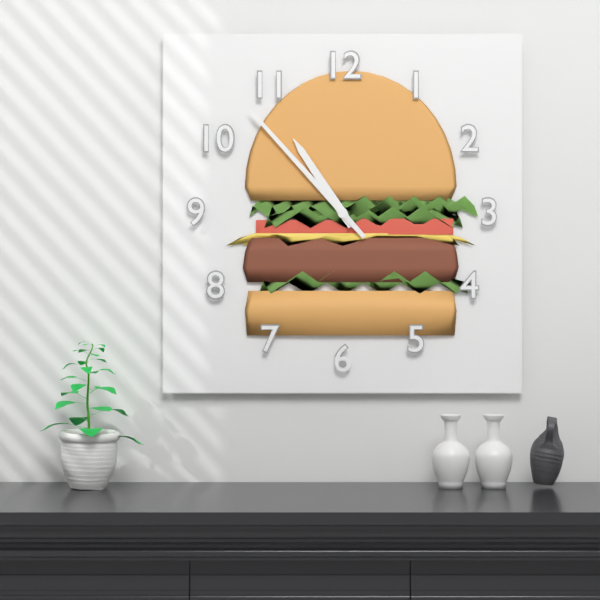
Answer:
10 h 53 min
